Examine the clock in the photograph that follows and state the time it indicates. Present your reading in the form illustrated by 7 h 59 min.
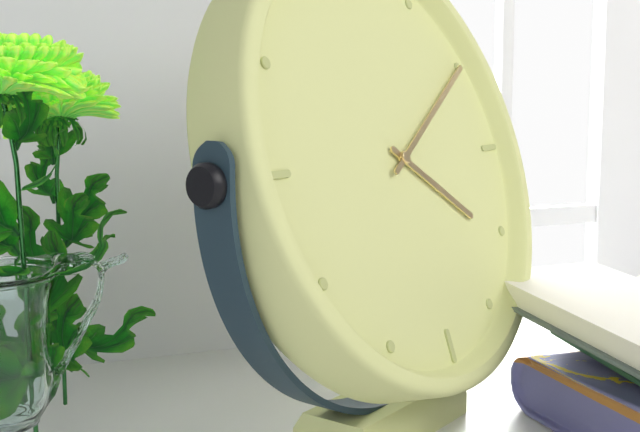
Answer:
4 h 10 min
